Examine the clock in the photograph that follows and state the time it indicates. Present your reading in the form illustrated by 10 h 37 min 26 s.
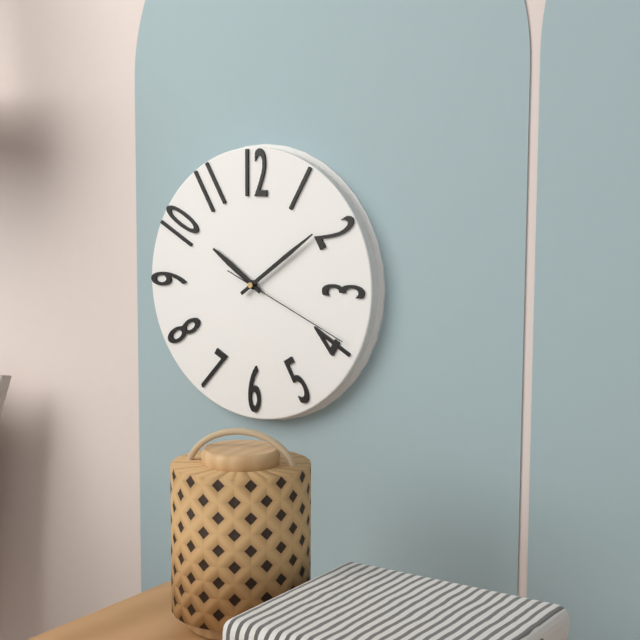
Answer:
10 h 09 min 19 s
